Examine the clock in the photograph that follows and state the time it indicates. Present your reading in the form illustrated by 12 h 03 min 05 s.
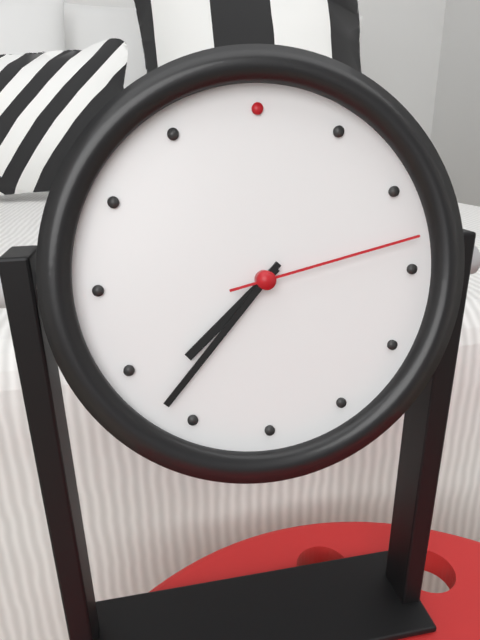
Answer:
7 h 37 min 13 s
